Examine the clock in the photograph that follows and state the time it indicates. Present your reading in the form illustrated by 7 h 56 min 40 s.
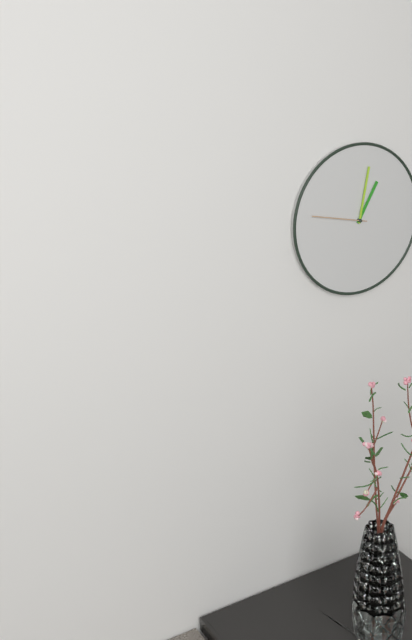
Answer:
1 h 02 min 47 s
